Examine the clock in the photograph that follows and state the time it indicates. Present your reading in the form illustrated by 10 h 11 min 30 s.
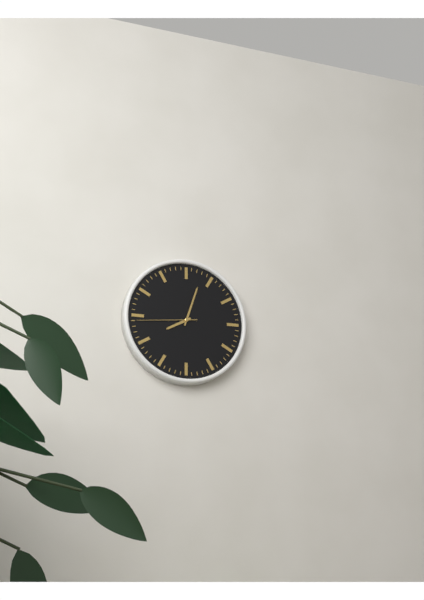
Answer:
8 h 03 min 44 s
